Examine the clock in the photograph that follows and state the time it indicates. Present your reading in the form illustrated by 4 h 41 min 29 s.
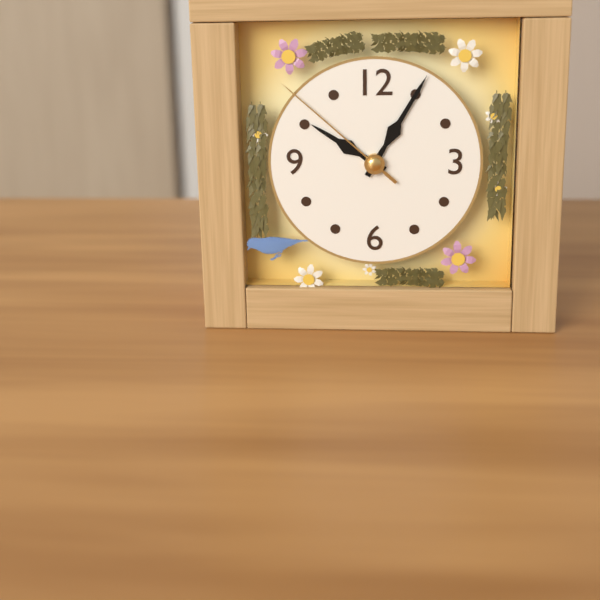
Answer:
10 h 05 min 52 s
